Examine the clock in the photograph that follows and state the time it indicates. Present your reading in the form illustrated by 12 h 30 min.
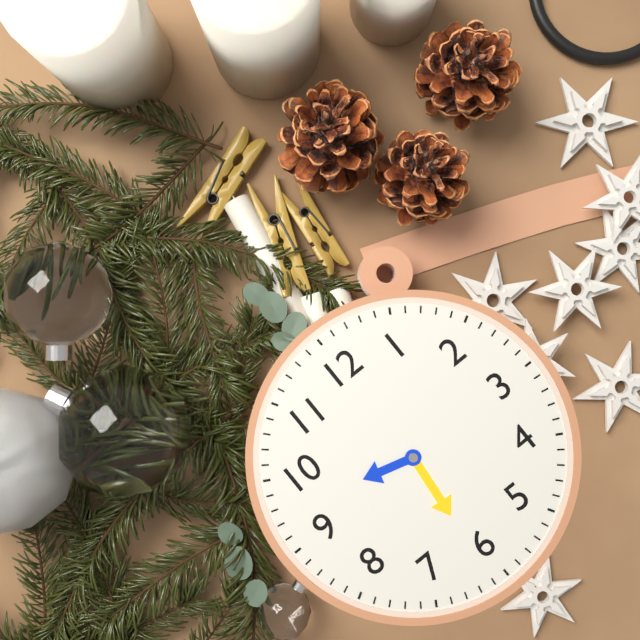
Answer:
9 h 31 min
